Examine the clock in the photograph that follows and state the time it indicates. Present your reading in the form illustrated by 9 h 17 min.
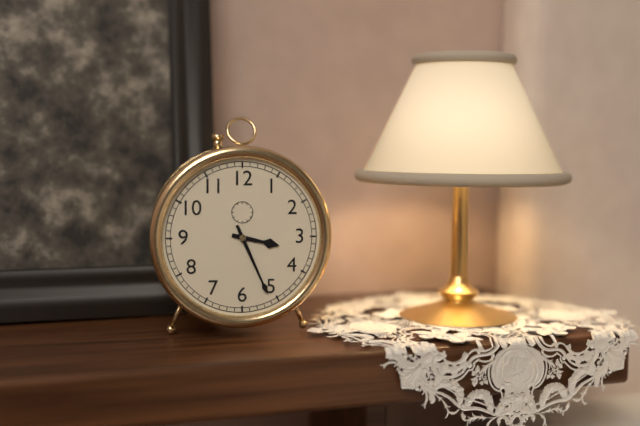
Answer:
3 h 26 min
